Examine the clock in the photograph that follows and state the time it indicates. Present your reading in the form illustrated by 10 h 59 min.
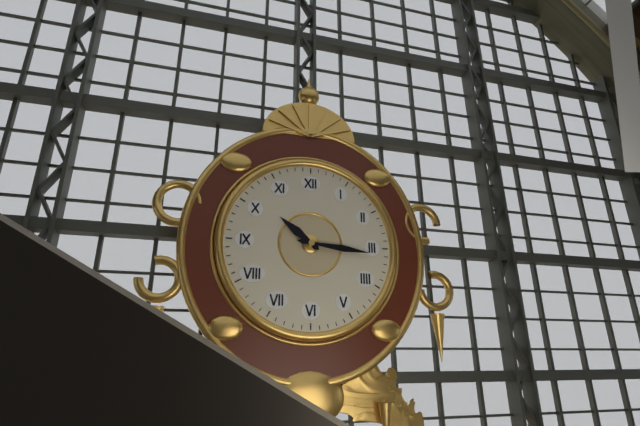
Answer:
10 h 16 min
